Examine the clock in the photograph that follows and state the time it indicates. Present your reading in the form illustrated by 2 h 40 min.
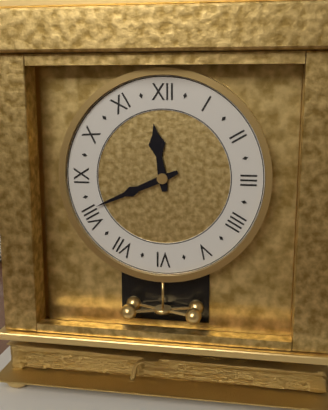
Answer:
11 h 41 min
